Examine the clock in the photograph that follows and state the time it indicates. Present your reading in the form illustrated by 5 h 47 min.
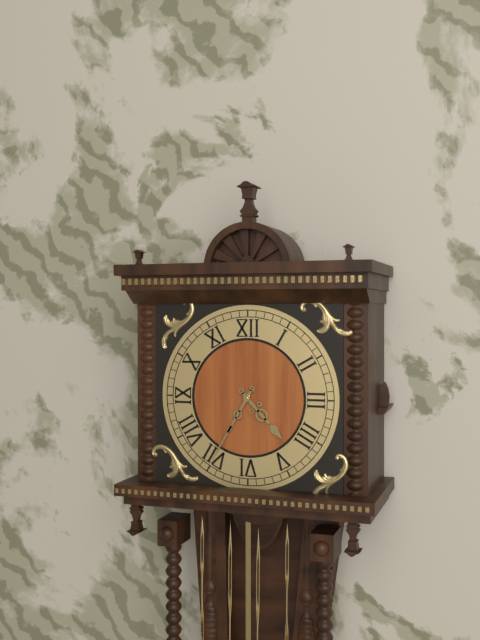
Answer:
4 h 35 min
